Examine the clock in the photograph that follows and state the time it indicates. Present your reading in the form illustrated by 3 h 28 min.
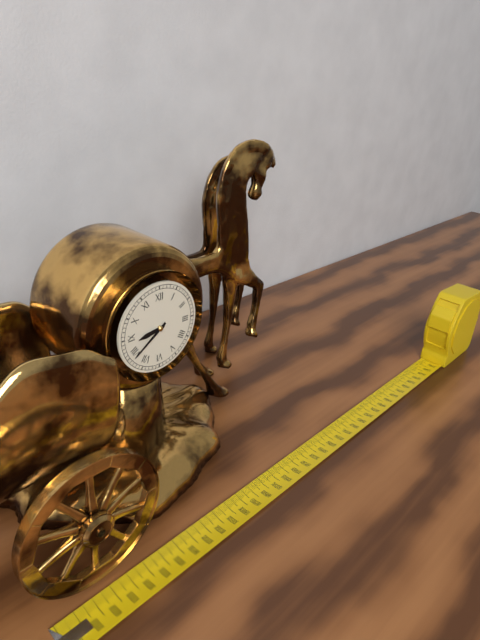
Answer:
8 h 39 min
